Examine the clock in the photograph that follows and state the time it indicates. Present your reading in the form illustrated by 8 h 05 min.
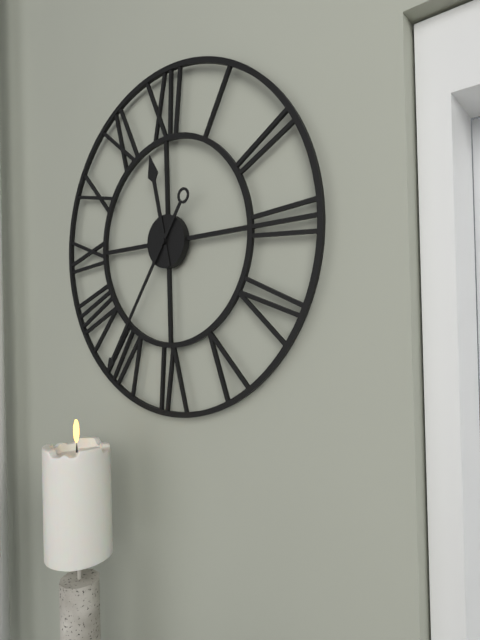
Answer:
11 h 36 min
